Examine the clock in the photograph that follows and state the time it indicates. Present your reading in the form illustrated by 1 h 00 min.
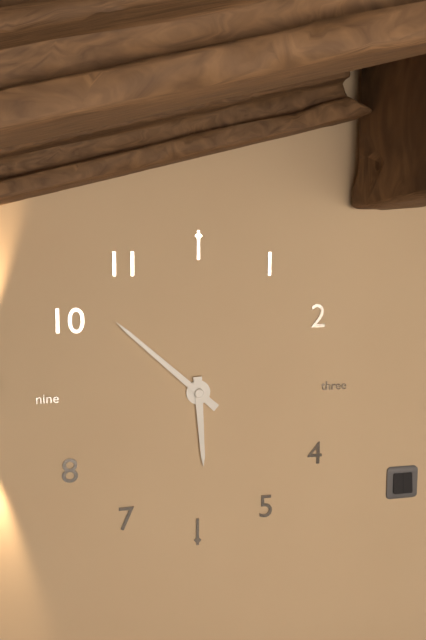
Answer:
5 h 52 min
